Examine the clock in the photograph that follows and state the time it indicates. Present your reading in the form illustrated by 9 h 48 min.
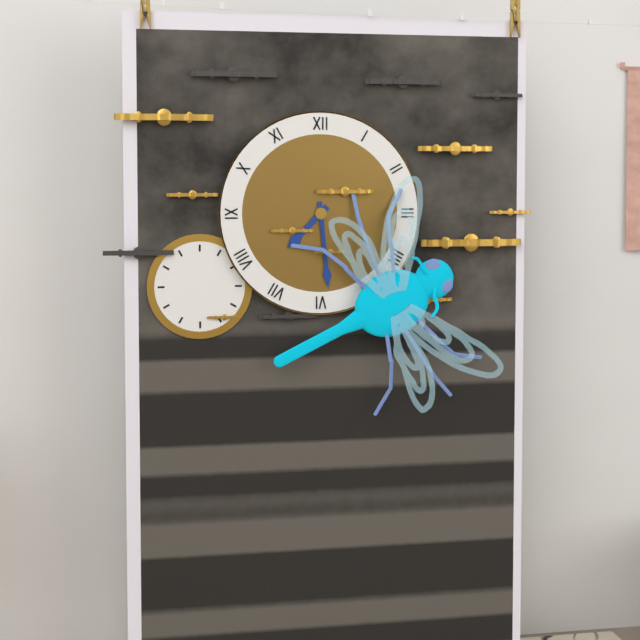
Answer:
7 h 29 min
